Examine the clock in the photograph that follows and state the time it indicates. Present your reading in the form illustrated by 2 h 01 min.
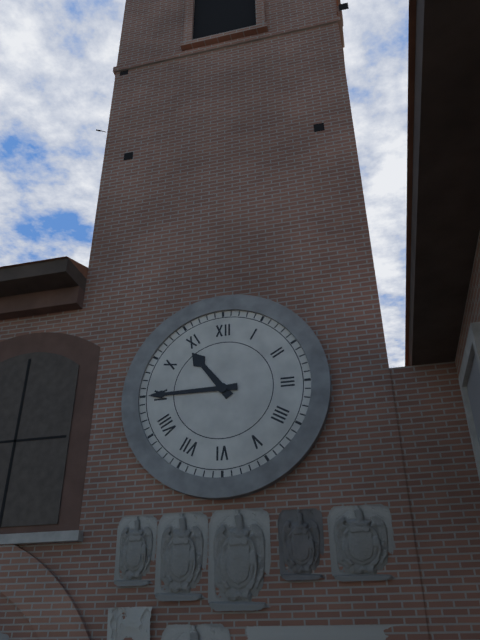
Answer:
10 h 45 min
